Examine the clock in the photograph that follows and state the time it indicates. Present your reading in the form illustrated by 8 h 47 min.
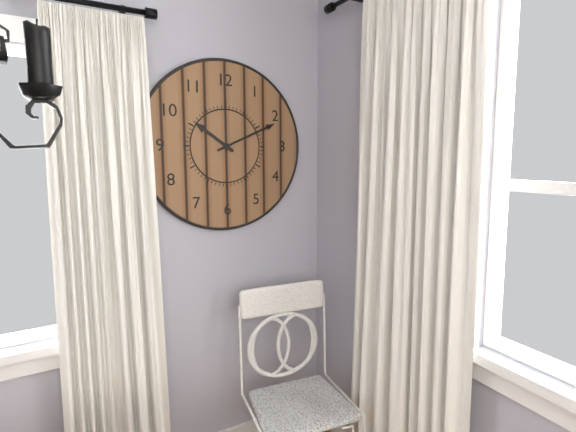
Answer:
10 h 11 min
